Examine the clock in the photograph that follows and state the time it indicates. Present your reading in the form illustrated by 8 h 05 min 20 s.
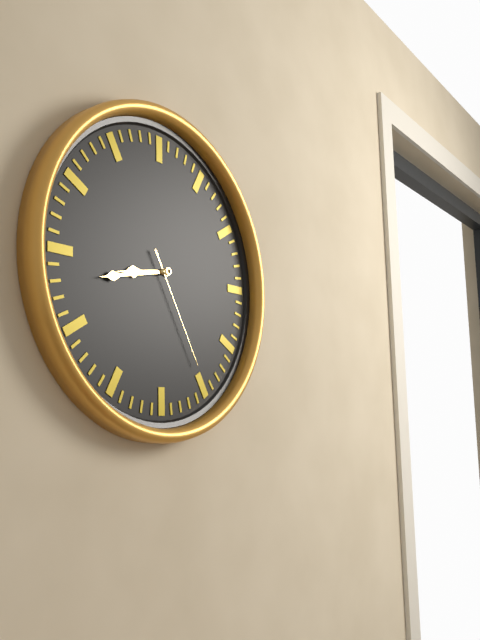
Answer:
8 h 43 min 25 s
